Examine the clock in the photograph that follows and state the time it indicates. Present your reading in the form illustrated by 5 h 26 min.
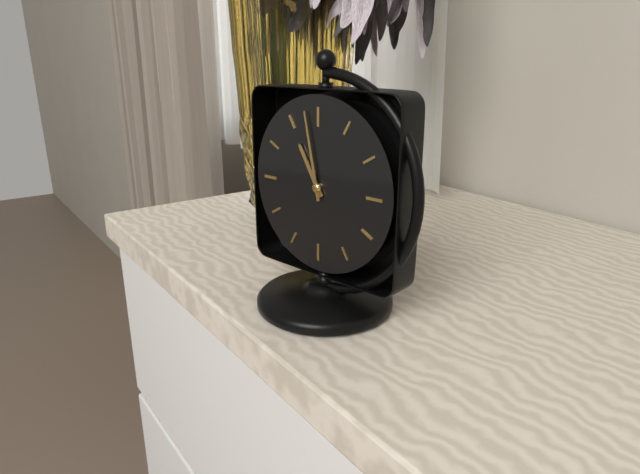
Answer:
10 h 58 min
